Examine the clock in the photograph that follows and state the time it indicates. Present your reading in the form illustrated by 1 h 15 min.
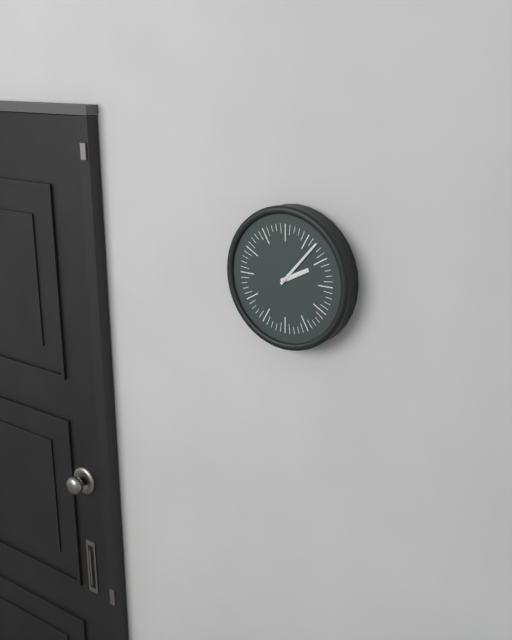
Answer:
2 h 07 min
